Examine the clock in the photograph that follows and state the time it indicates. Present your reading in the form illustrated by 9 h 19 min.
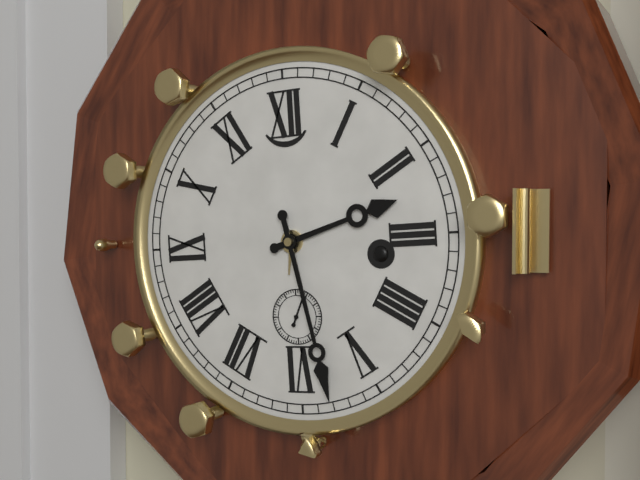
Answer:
2 h 28 min
